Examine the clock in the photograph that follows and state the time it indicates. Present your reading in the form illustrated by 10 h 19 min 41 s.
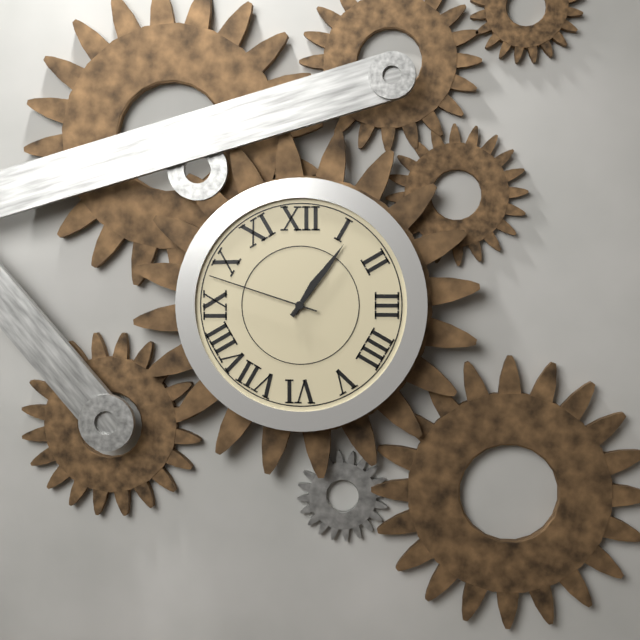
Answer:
1 h 06 min 48 s
